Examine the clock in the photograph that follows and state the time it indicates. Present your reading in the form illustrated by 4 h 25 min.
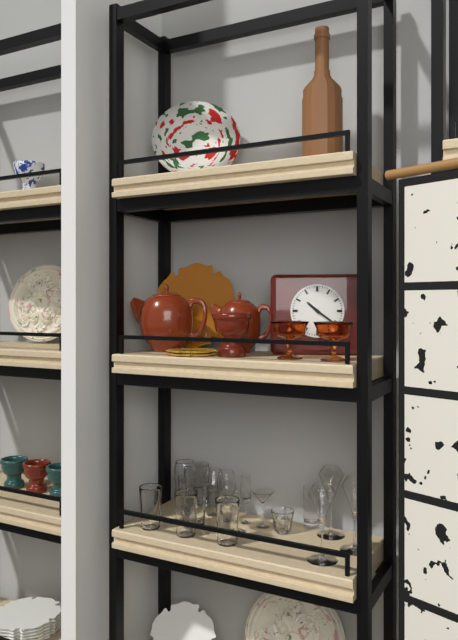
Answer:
10 h 21 min
